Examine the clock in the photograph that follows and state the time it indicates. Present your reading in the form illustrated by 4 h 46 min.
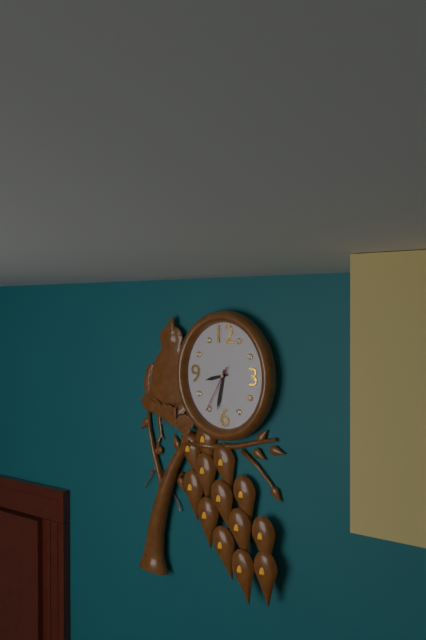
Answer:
8 h 32 min
